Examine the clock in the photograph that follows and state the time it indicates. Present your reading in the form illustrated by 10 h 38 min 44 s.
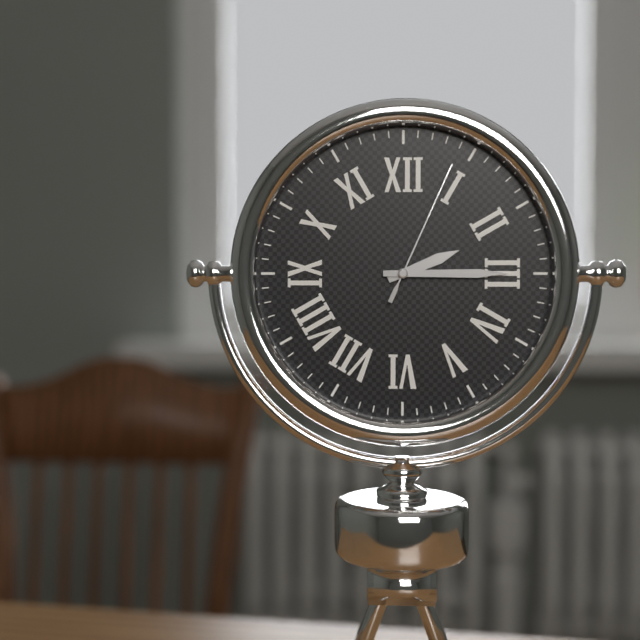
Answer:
2 h 15 min 04 s
